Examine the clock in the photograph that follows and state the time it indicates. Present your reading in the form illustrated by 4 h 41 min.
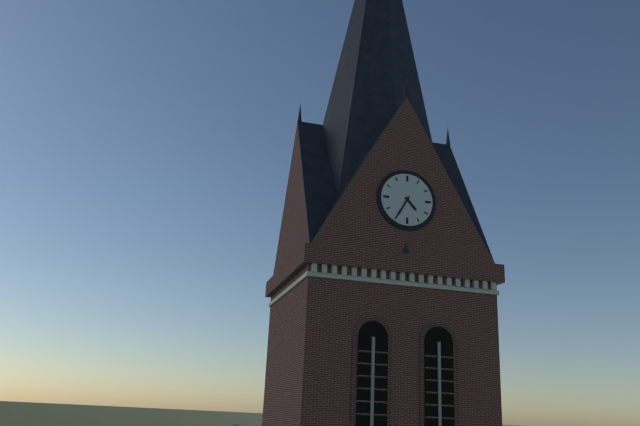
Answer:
4 h 35 min
